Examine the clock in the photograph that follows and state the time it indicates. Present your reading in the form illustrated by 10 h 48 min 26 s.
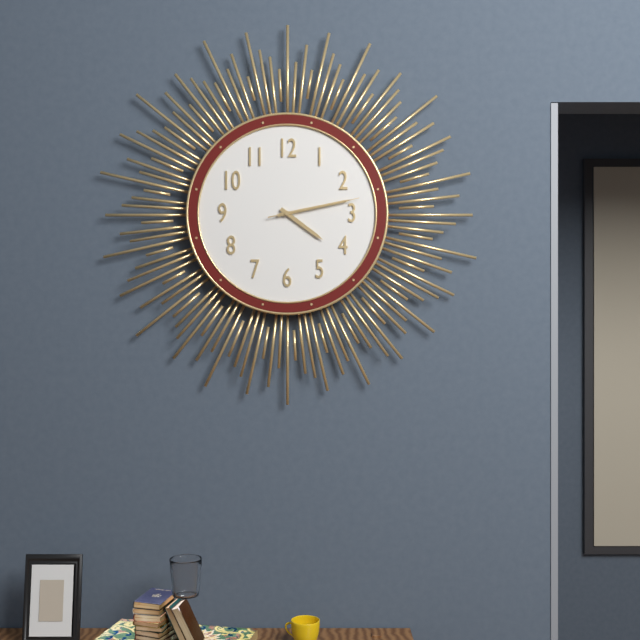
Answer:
4 h 13 min 13 s
